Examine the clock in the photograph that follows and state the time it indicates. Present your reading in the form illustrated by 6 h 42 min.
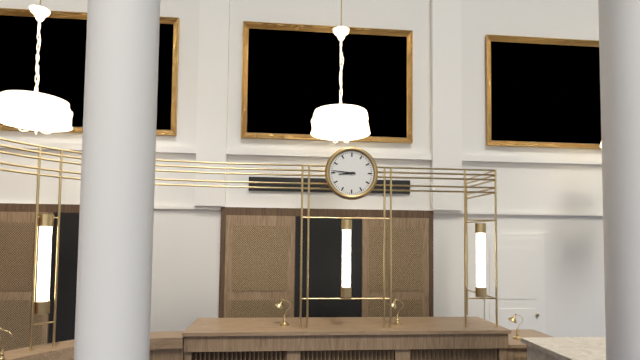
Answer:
8 h 46 min
